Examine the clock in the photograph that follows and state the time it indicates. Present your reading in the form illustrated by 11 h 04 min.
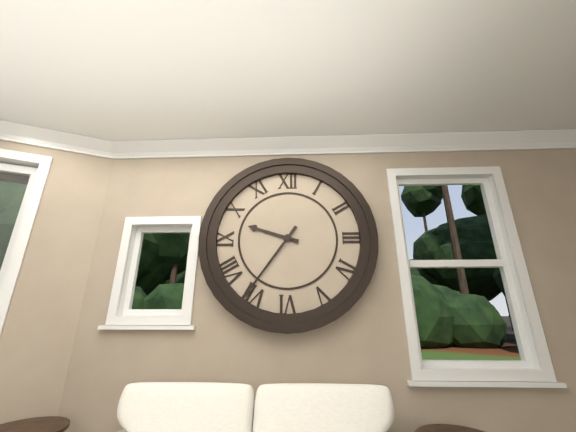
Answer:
9 h 36 min
